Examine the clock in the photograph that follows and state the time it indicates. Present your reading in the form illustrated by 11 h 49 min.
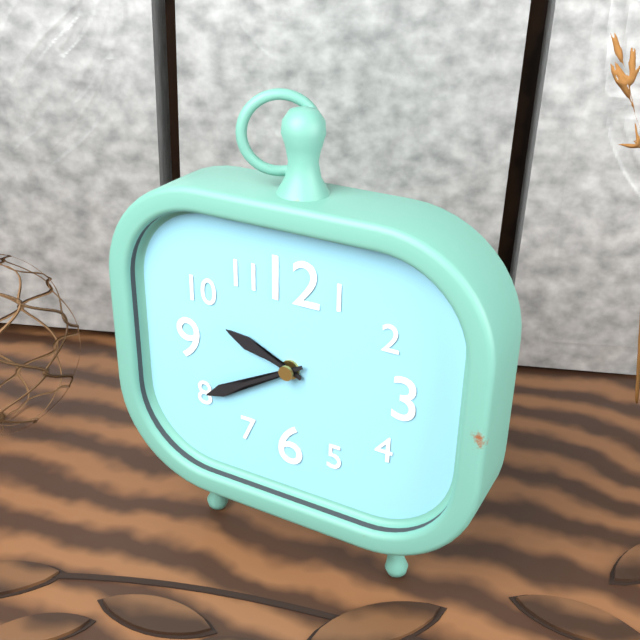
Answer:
9 h 40 min
